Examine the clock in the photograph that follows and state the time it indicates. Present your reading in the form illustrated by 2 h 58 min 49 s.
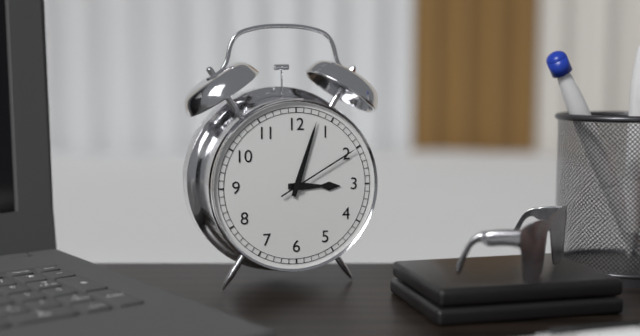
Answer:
3 h 03 min 10 s
